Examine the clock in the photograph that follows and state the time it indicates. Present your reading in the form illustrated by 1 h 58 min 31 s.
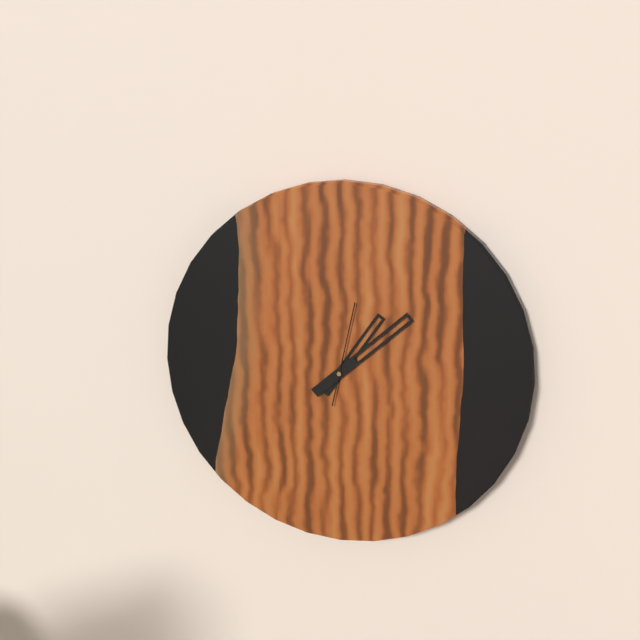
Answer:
1 h 08 min 02 s
